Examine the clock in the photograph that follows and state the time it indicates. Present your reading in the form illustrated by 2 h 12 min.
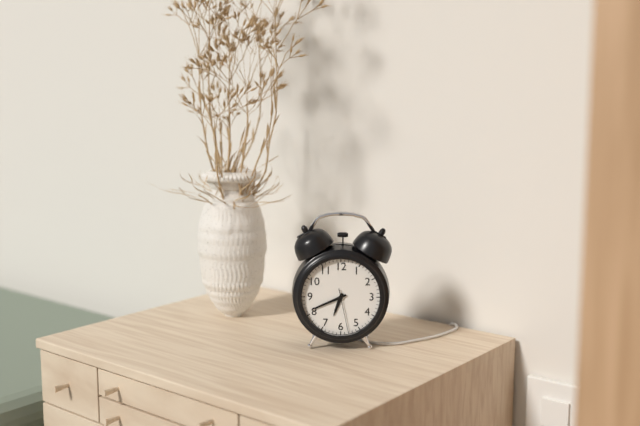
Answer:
6 h 41 min
